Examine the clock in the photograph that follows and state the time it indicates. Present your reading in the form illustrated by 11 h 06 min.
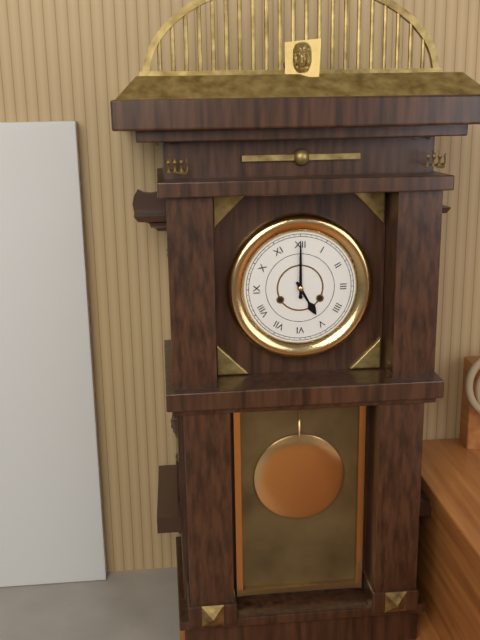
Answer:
5 h 00 min
